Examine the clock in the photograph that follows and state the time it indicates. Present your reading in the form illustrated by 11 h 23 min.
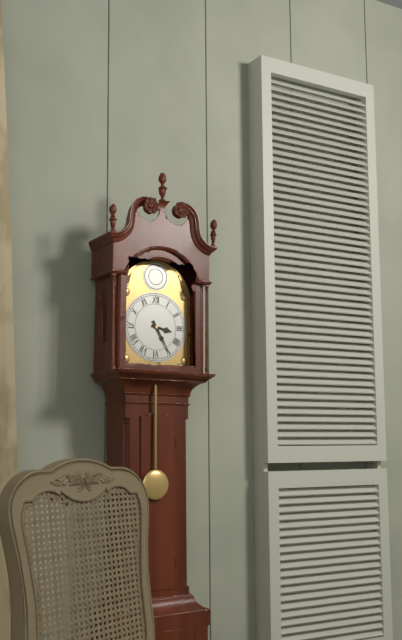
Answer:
3 h 25 min
